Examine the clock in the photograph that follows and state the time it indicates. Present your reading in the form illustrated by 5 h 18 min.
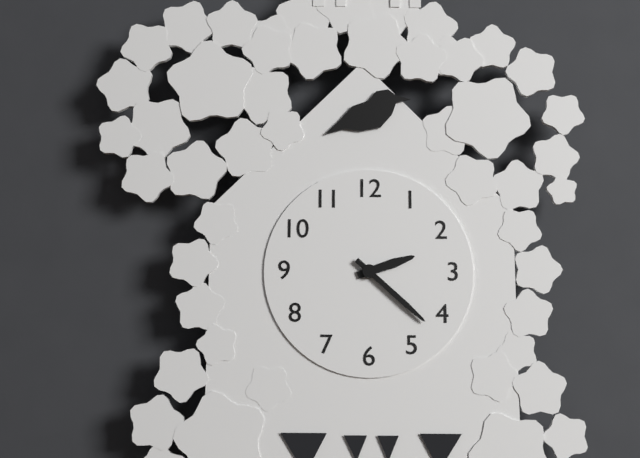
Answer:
2 h 22 min
